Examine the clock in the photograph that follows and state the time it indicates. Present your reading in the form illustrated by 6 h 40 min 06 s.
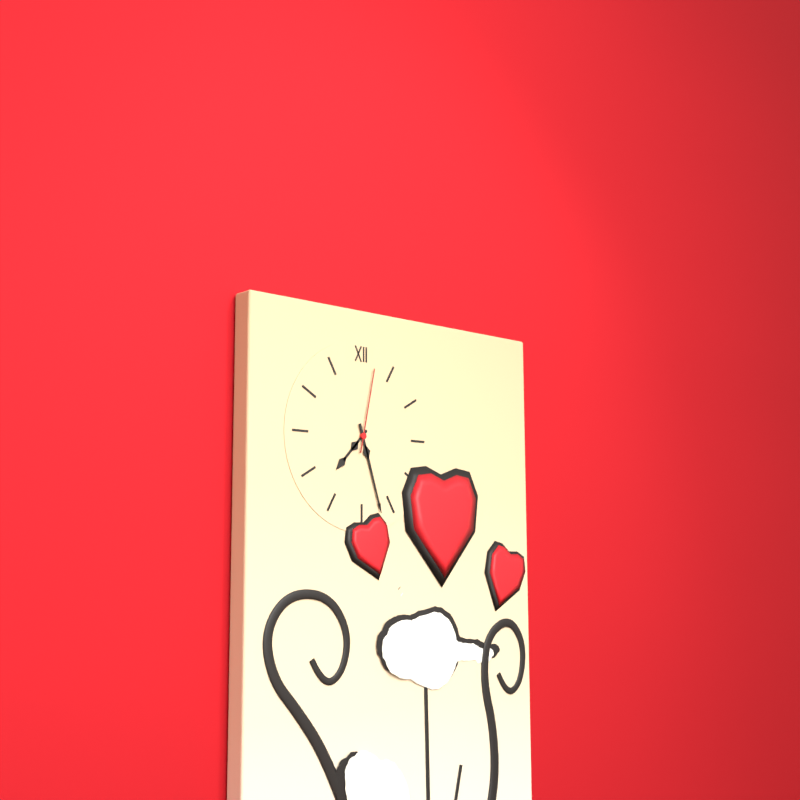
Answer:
7 h 27 min 02 s
